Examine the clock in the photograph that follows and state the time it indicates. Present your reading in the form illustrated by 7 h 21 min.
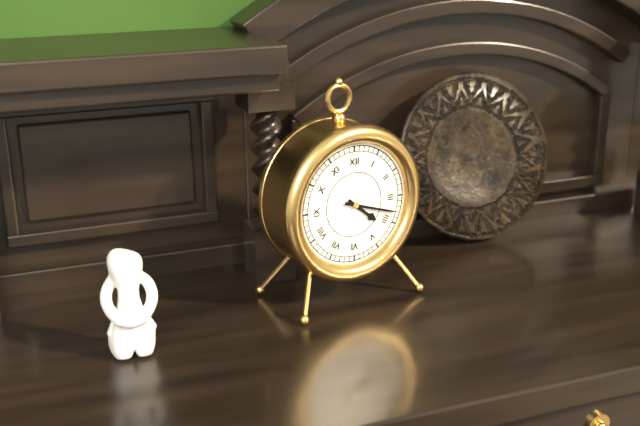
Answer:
4 h 18 min
